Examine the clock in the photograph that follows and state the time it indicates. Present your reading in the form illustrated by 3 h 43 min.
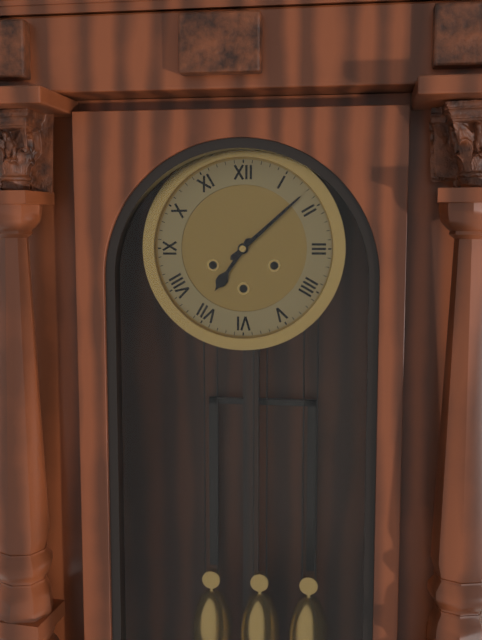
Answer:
7 h 08 min
